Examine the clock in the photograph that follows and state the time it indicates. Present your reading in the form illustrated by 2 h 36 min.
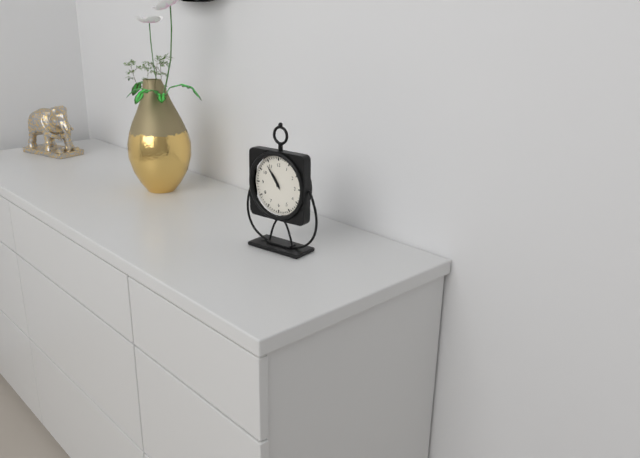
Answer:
10 h 54 min
